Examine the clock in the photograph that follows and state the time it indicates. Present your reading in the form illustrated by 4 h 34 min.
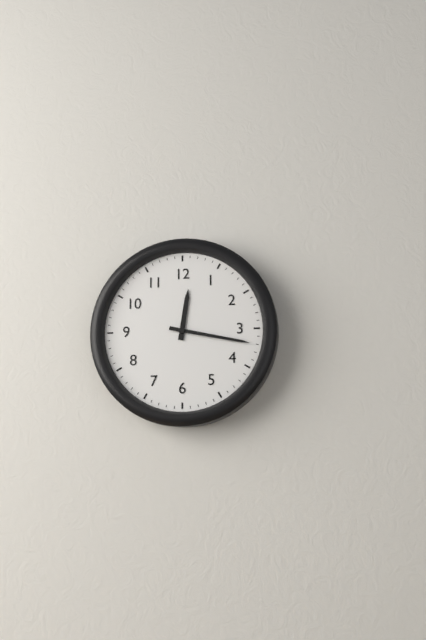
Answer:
12 h 17 min
